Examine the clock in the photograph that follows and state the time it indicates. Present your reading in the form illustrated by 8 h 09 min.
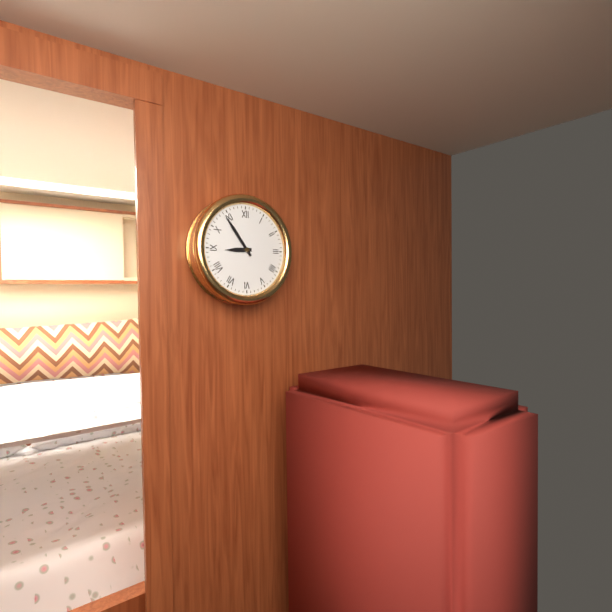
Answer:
8 h 54 min
